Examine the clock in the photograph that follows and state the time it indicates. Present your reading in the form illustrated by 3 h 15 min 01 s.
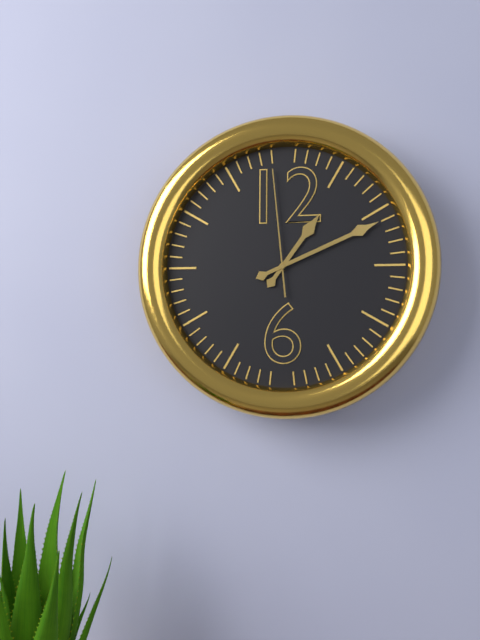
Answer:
1 h 11 min 59 s
